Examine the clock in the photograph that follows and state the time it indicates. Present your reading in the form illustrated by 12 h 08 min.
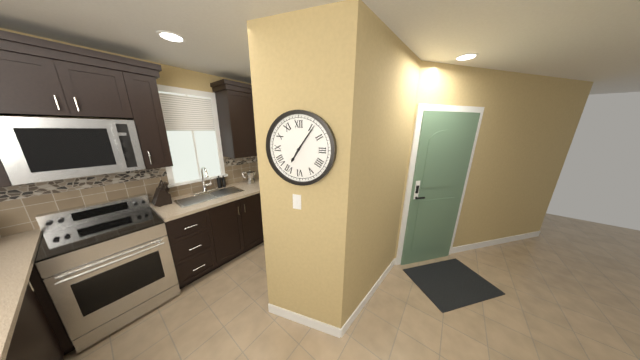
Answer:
7 h 06 min
